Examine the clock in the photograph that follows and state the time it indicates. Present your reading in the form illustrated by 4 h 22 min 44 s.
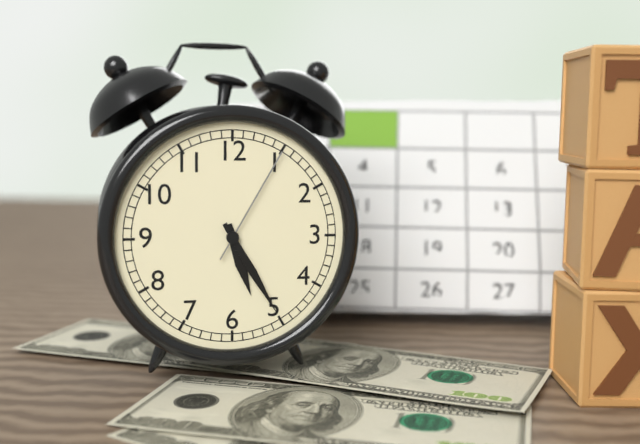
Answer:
5 h 25 min 05 s
